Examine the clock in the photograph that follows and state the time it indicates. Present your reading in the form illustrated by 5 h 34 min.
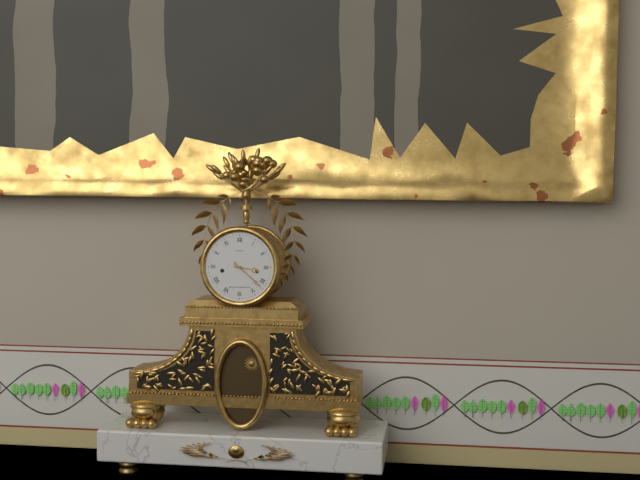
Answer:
3 h 22 min
